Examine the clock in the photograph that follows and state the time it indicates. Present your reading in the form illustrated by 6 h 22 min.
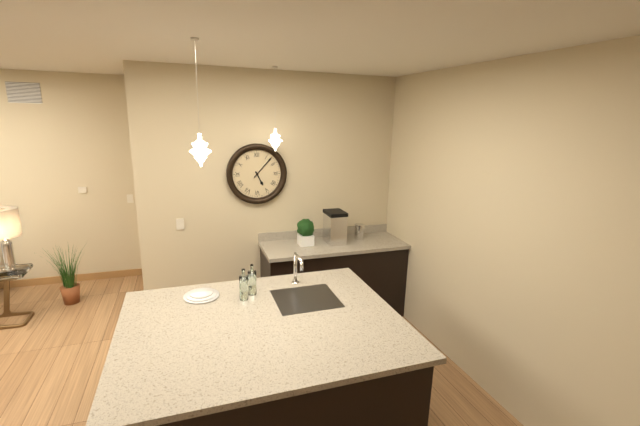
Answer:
5 h 07 min
